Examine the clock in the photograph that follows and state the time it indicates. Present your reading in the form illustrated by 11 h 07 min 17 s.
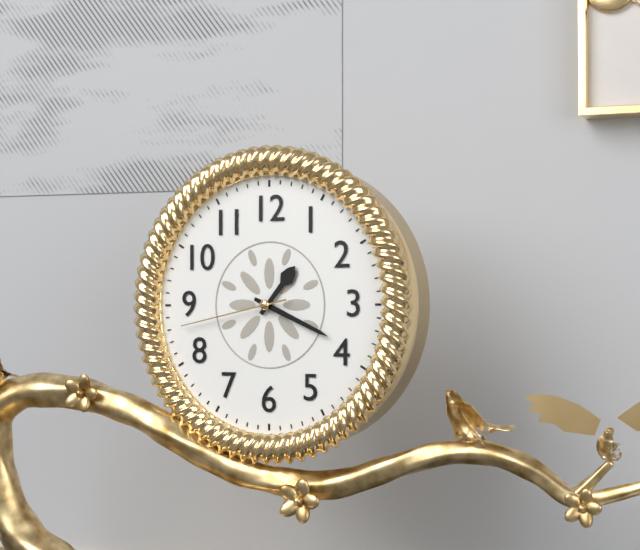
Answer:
1 h 19 min 43 s
